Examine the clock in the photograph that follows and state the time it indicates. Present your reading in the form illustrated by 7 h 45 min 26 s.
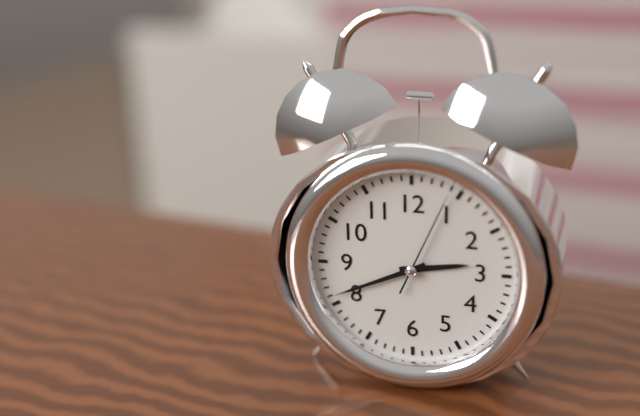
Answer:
2 h 41 min 04 s
